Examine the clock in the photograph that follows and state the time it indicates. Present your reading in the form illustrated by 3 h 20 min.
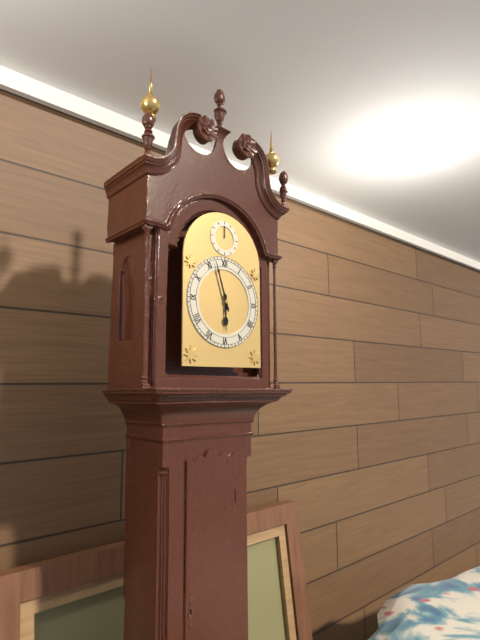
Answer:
5 h 57 min
